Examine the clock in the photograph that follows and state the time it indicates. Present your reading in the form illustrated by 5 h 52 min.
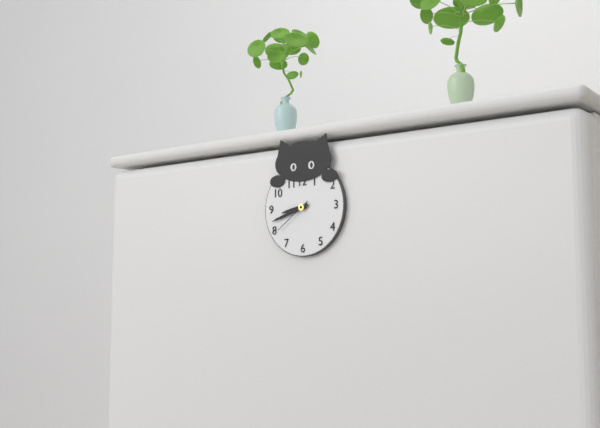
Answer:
8 h 42 min
